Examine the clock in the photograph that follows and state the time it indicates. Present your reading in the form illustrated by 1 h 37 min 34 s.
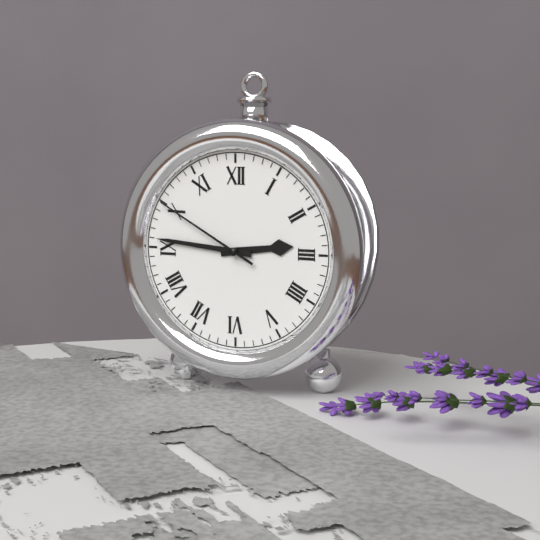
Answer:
2 h 46 min 50 s
